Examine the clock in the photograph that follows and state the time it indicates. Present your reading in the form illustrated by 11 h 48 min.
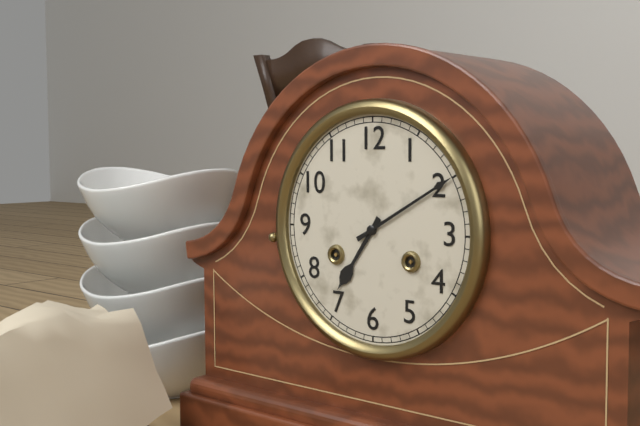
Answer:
7 h 10 min
